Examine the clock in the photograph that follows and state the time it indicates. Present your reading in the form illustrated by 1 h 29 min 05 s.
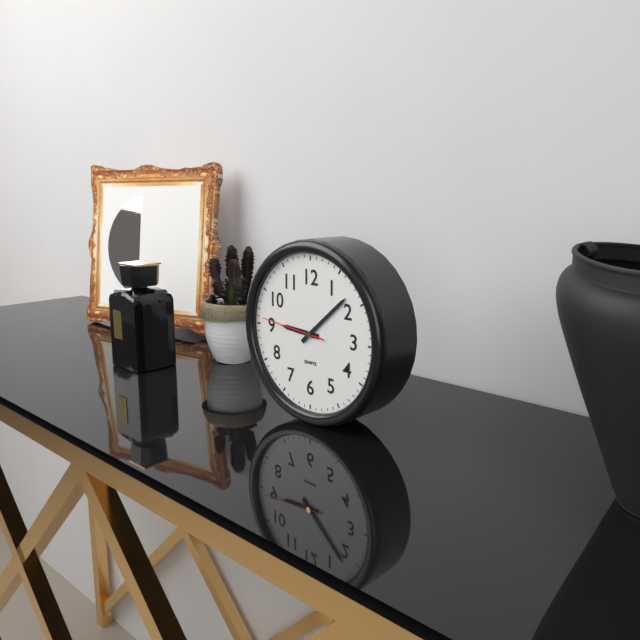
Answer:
9 h 08 min 46 s
